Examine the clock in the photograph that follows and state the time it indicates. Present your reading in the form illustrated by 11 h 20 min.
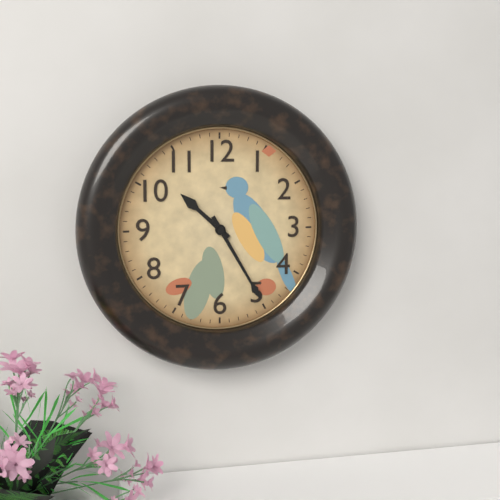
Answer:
10 h 25 min
